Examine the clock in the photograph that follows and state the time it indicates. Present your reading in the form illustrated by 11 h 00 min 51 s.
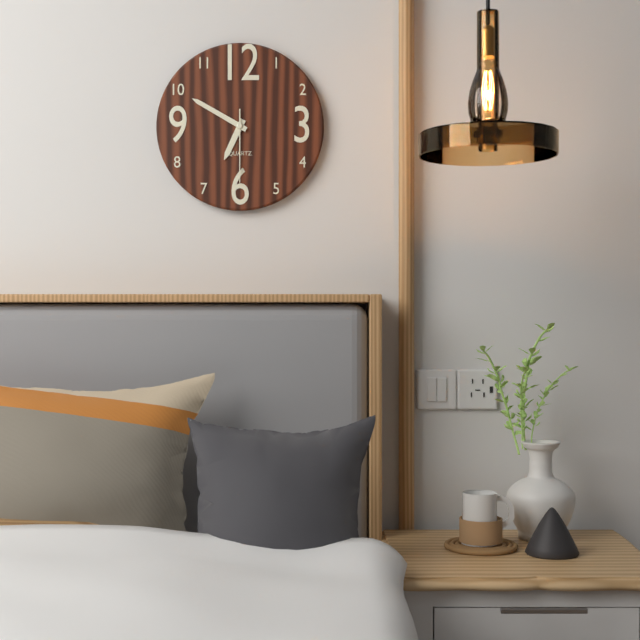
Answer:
6 h 50 min 30 s
